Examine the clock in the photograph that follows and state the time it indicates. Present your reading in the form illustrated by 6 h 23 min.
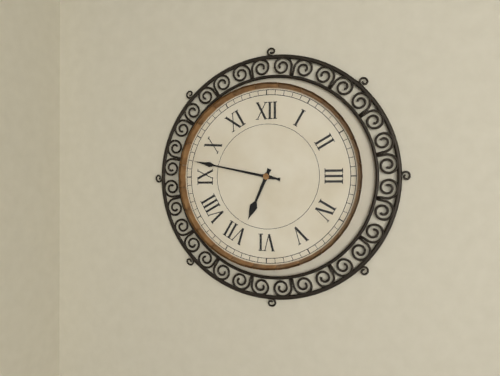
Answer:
6 h 47 min
